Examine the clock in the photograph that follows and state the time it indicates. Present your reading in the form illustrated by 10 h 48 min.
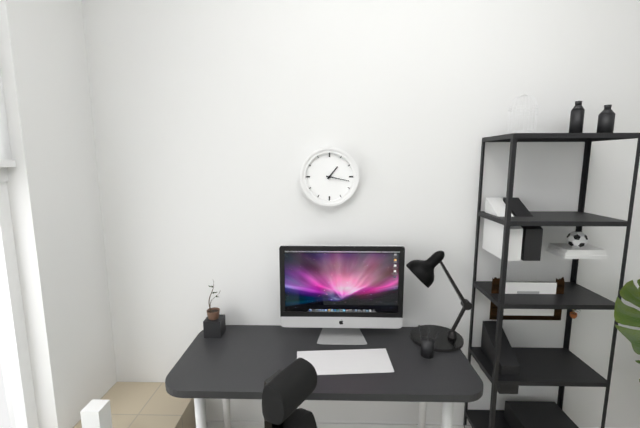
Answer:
1 h 17 min
